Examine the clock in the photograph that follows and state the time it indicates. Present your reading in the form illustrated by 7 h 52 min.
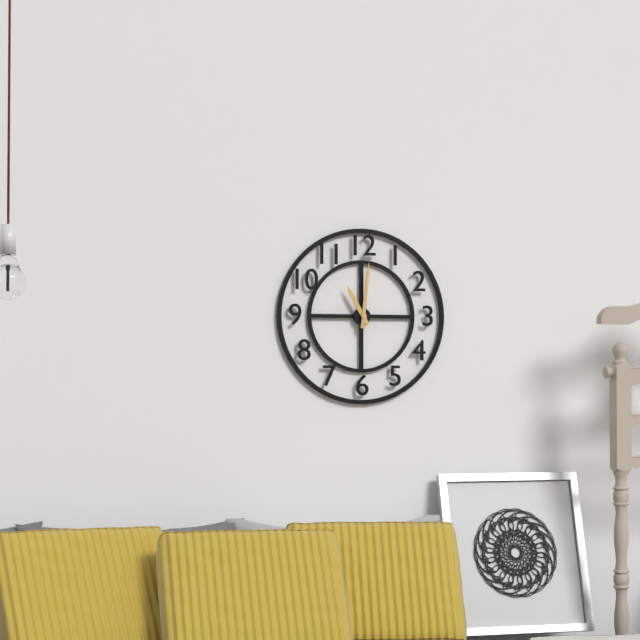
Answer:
11 h 01 min
